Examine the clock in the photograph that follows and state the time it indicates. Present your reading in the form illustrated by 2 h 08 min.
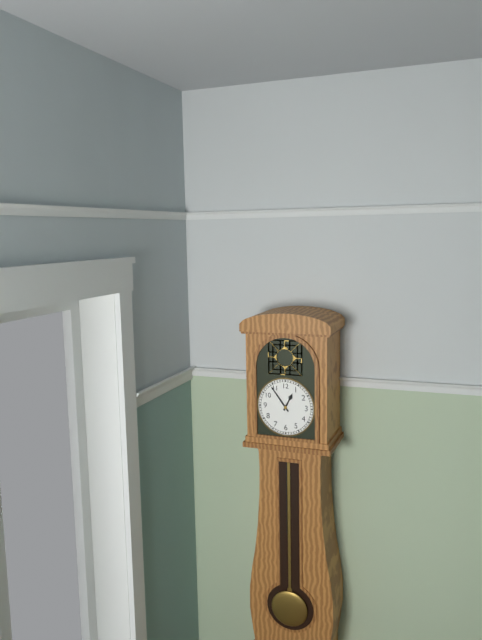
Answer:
12 h 54 min
